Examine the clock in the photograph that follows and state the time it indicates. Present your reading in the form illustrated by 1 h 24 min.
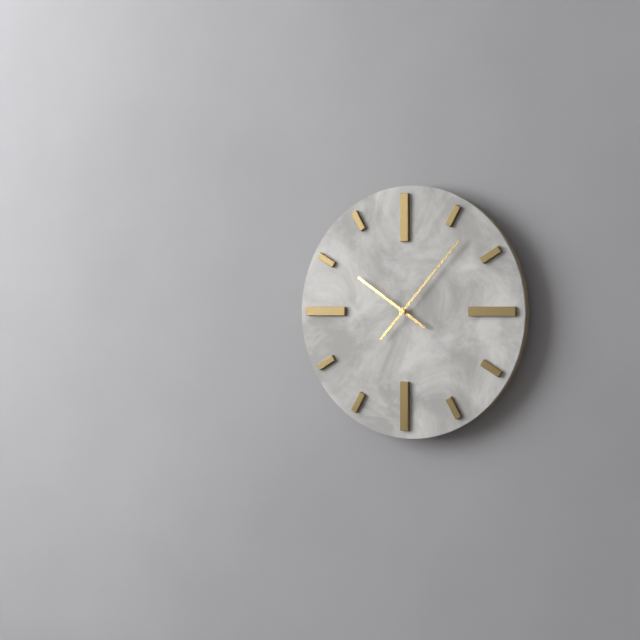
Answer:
10 h 07 min
